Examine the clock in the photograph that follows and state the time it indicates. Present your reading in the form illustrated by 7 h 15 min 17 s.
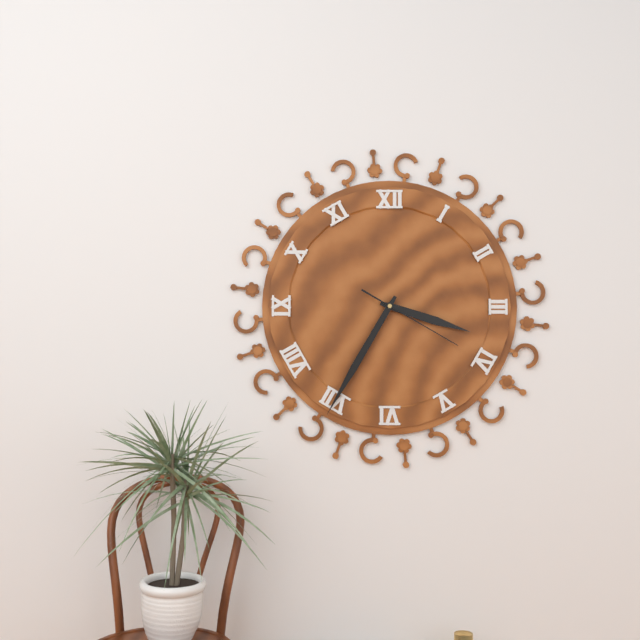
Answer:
3 h 35 min 20 s
